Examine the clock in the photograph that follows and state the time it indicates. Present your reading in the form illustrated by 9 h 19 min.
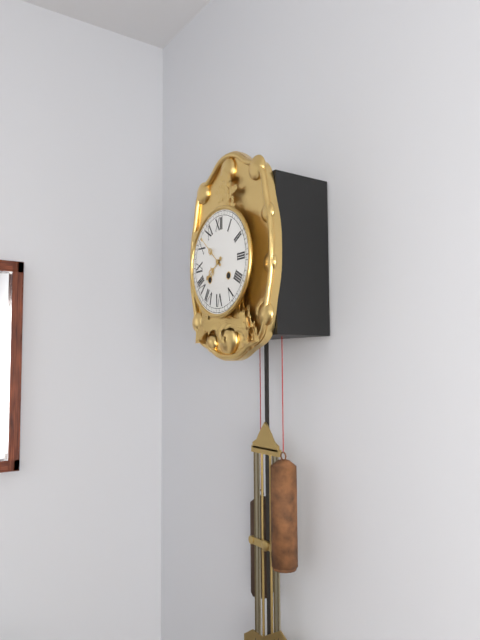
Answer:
7 h 52 min
